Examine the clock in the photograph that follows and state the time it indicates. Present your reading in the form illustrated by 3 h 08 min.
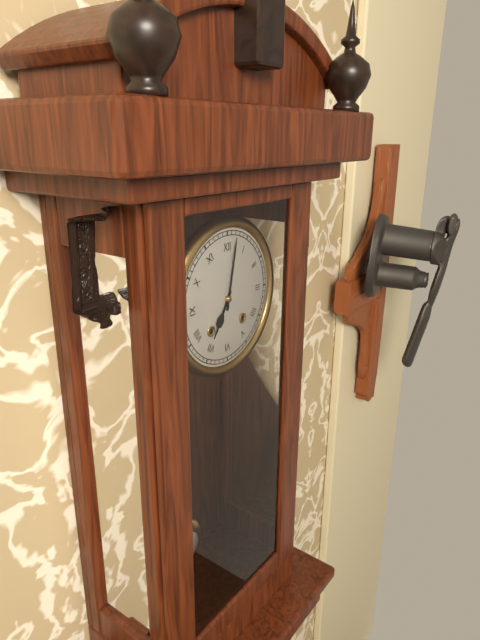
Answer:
7 h 02 min
